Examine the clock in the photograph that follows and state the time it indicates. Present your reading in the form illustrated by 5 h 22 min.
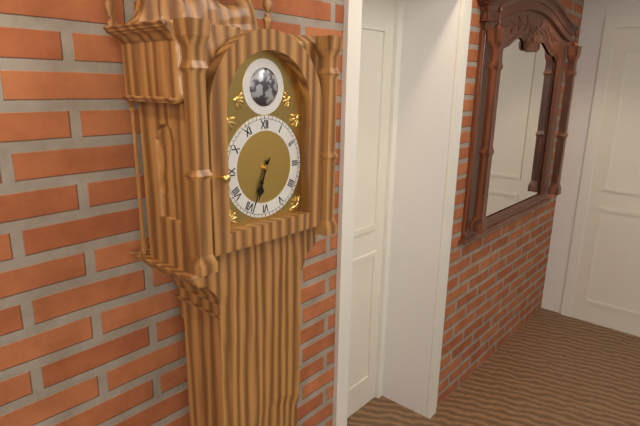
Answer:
6 h 34 min
